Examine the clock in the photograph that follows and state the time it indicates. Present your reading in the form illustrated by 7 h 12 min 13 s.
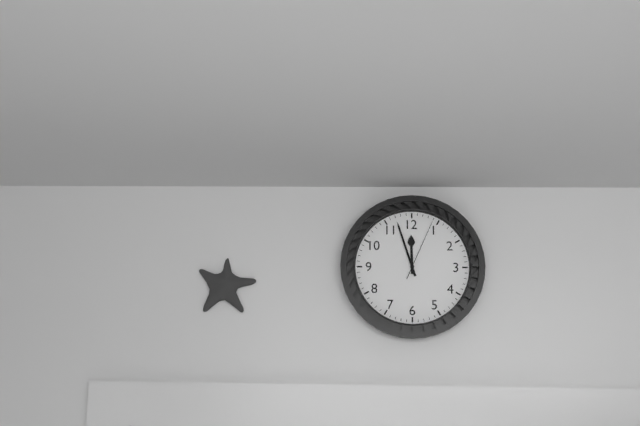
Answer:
11 h 57 min 04 s
